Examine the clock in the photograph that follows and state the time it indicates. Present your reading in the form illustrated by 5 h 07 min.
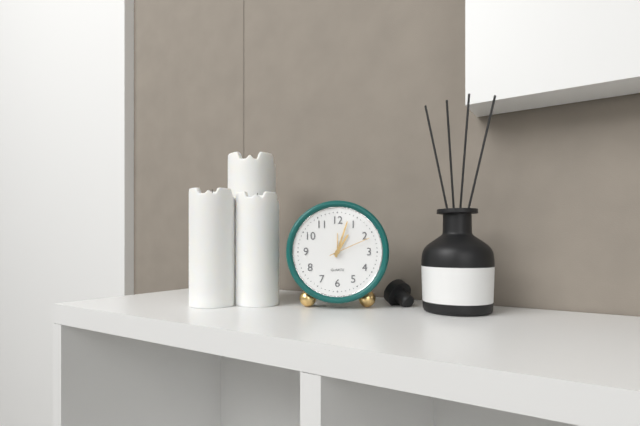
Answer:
1 h 03 min
